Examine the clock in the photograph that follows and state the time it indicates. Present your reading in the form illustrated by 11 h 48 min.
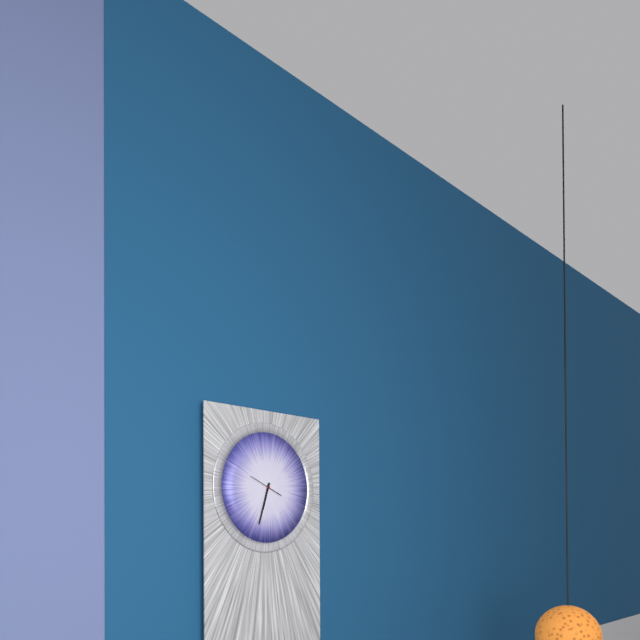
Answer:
6 h 33 min
